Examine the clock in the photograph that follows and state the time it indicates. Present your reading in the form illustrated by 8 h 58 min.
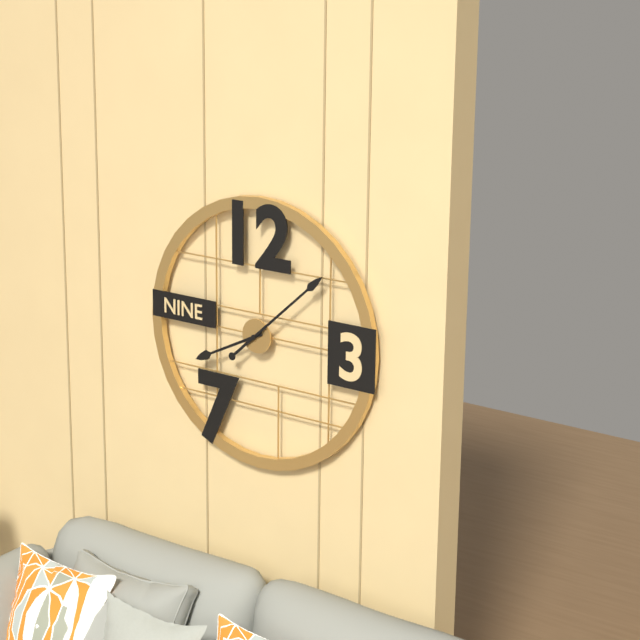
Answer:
8 h 08 min
